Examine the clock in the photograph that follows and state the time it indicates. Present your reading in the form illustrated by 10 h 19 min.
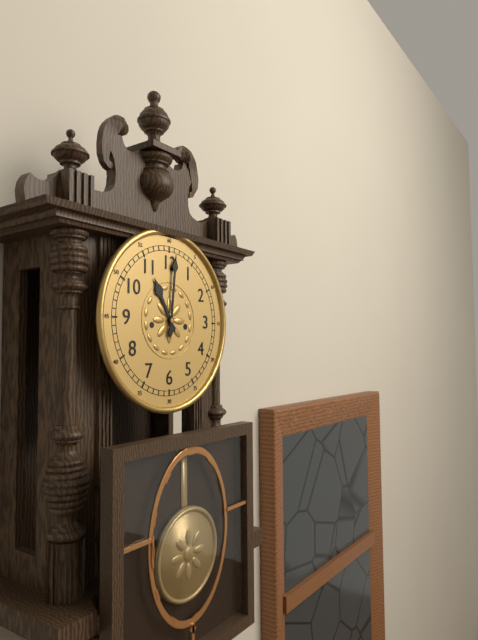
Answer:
11 h 01 min
